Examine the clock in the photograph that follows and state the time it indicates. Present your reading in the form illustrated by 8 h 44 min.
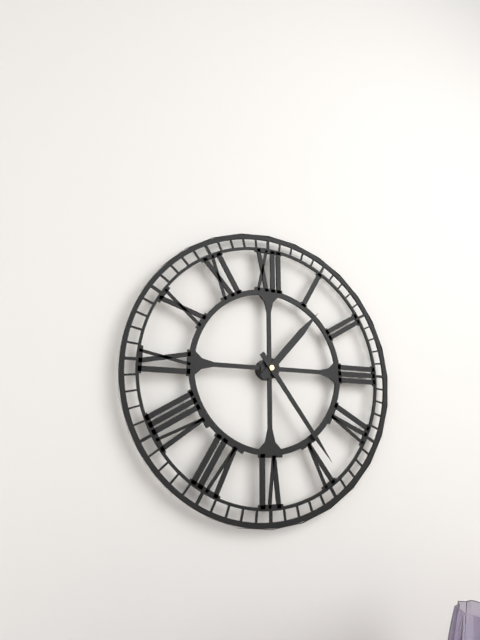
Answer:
1 h 24 min
